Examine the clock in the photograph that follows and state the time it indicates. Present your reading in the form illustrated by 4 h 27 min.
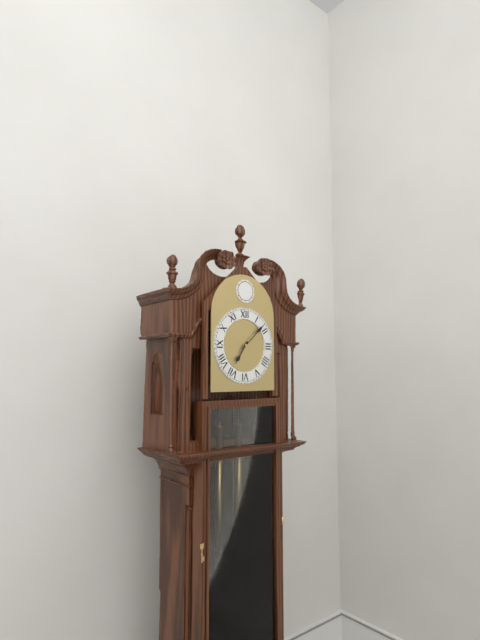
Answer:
7 h 08 min
